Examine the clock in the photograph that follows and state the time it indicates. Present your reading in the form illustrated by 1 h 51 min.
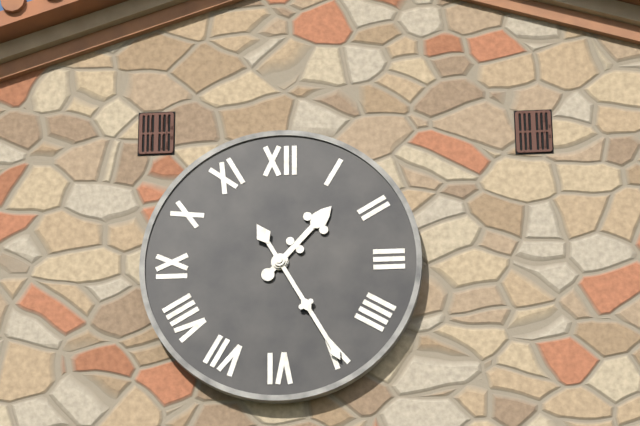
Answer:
1 h 25 min
